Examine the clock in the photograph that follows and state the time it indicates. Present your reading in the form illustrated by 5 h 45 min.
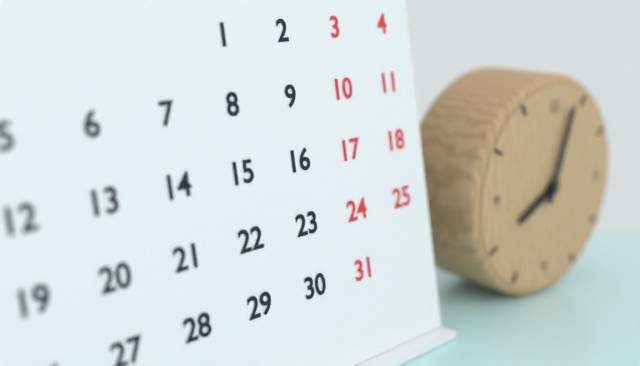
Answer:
8 h 03 min
